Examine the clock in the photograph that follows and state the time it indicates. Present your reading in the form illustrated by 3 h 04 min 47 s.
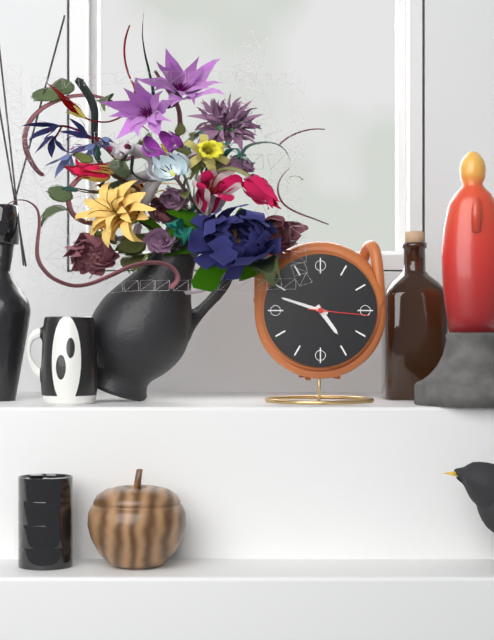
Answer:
4 h 48 min 16 s
